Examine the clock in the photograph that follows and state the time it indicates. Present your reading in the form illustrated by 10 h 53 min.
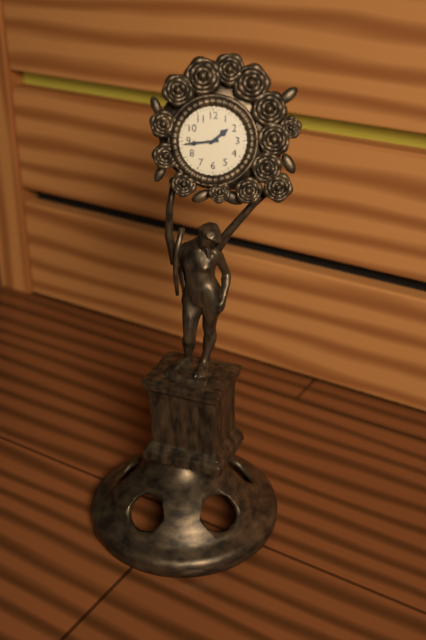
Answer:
1 h 44 min
